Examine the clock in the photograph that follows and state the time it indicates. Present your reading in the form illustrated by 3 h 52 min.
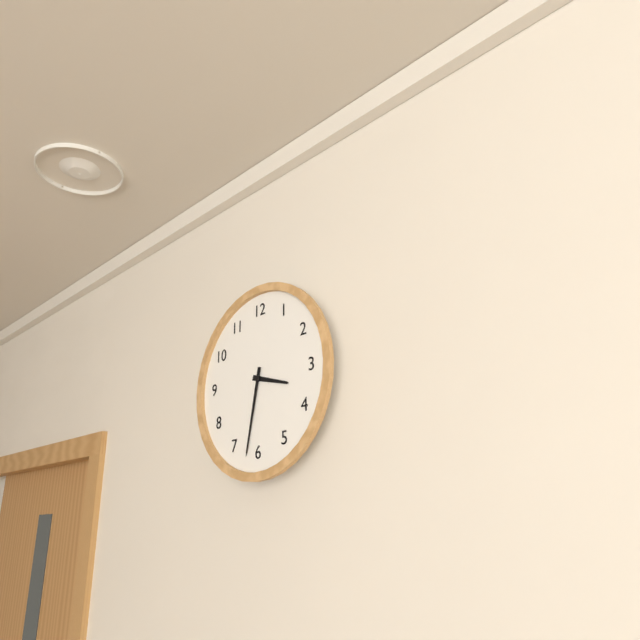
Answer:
3 h 32 min
